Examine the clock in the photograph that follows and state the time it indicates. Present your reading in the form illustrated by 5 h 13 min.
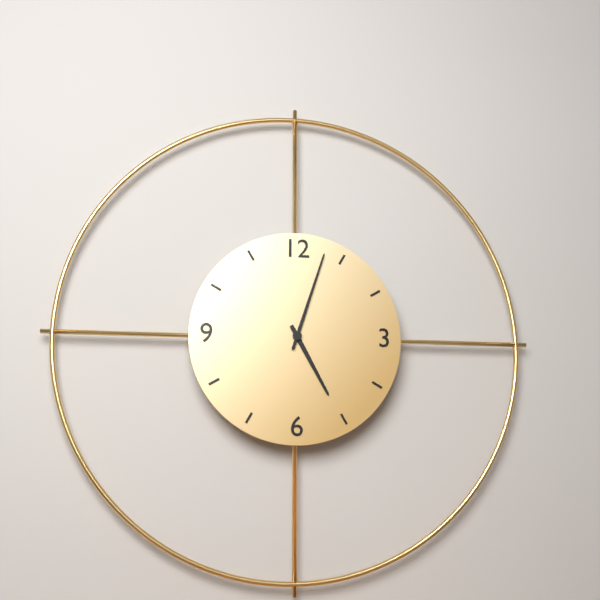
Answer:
5 h 03 min
